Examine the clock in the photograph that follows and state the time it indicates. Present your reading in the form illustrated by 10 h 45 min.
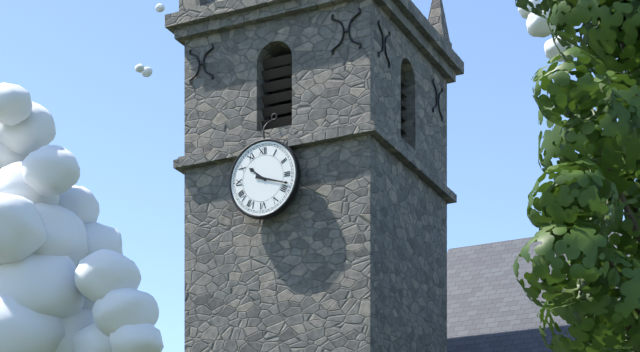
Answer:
10 h 18 min
